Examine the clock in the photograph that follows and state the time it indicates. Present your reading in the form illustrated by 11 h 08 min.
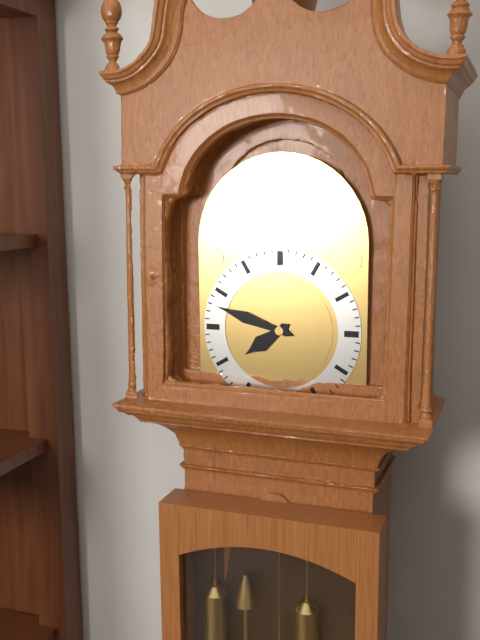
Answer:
7 h 48 min
